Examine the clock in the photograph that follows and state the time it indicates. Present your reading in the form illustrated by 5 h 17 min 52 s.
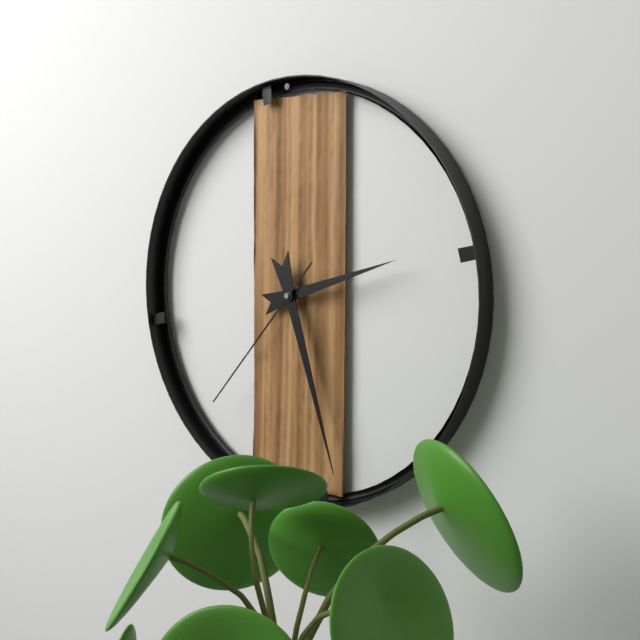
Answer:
2 h 27 min 37 s
